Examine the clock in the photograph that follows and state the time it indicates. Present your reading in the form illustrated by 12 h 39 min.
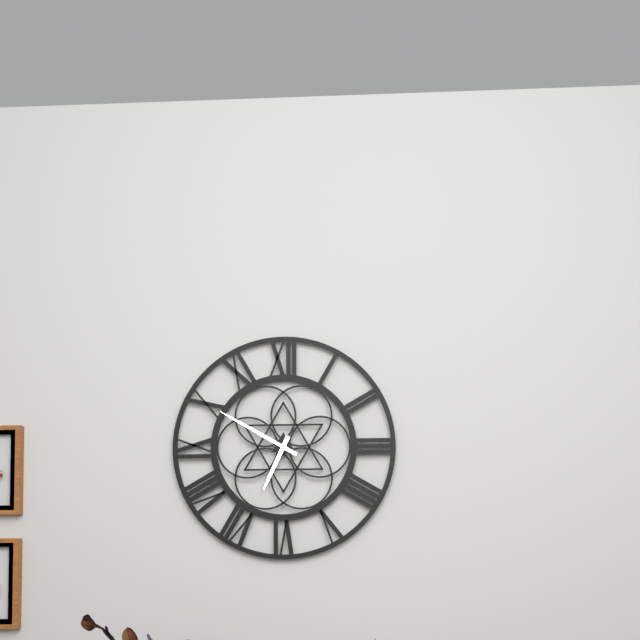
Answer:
6 h 50 min
